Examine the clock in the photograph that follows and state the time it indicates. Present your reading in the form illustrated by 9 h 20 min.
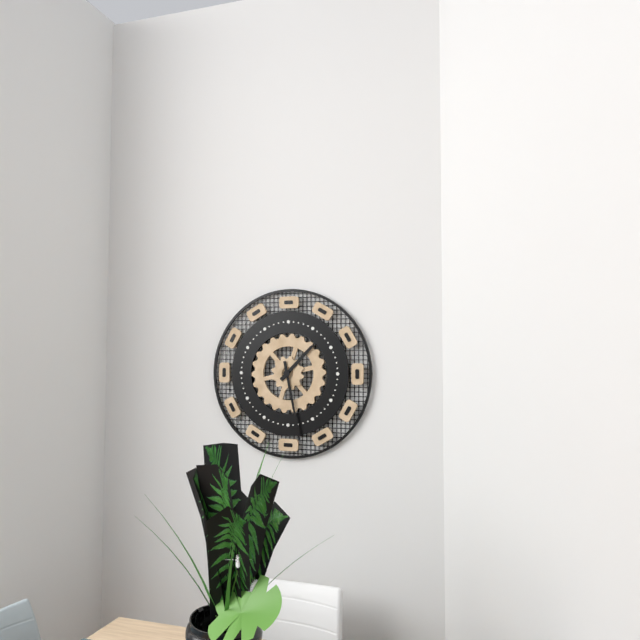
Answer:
1 h 28 min
